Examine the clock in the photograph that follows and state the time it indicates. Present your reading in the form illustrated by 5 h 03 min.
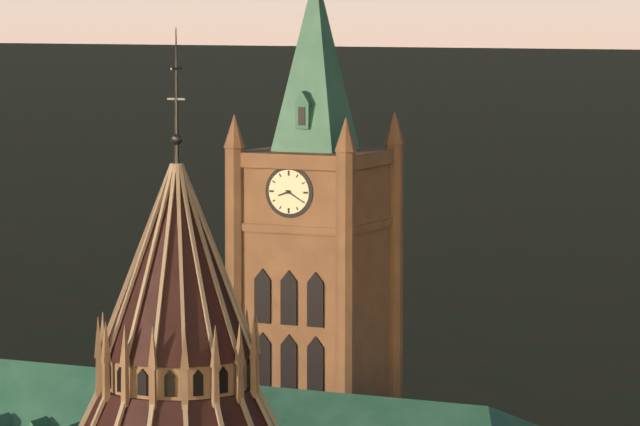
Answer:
8 h 20 min
